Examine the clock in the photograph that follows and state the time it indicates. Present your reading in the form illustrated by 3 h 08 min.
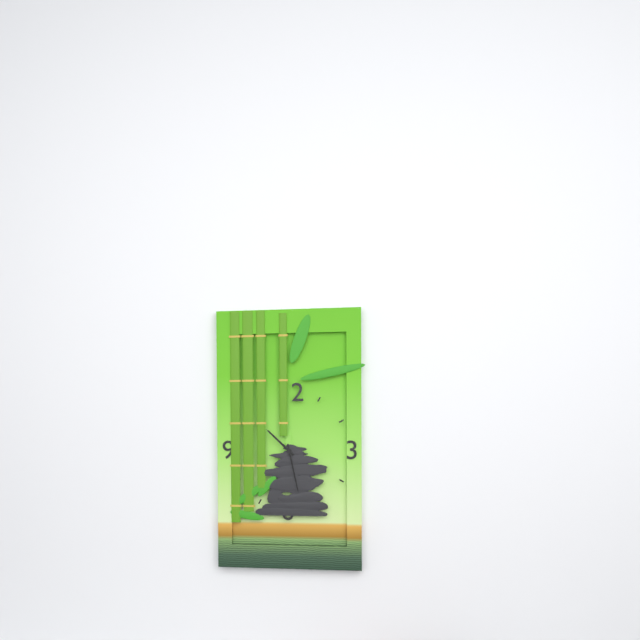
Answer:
10 h 28 min
